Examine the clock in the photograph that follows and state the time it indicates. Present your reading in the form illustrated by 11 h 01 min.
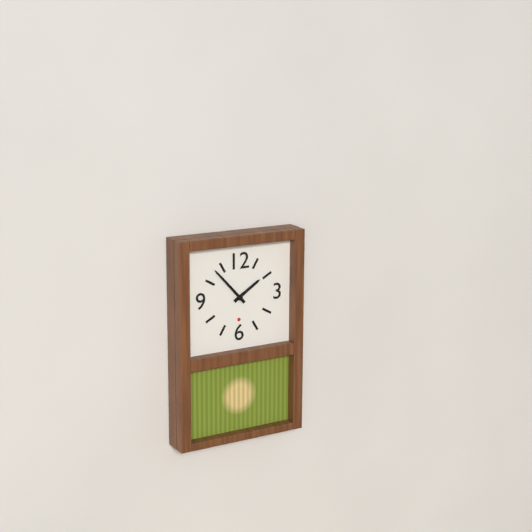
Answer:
1 h 53 min
